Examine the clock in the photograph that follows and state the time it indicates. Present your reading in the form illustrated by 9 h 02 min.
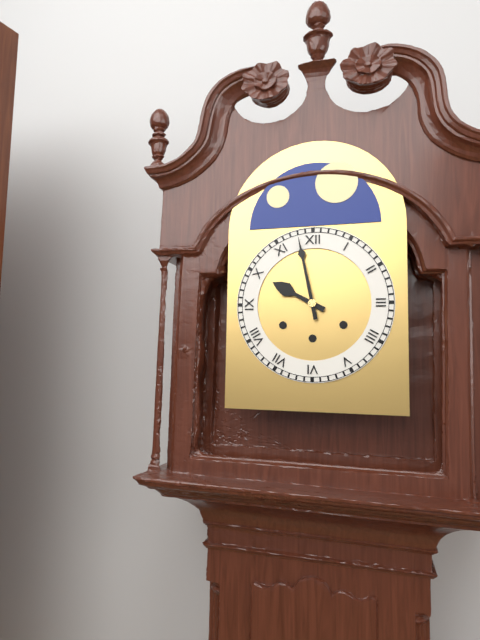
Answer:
9 h 58 min
